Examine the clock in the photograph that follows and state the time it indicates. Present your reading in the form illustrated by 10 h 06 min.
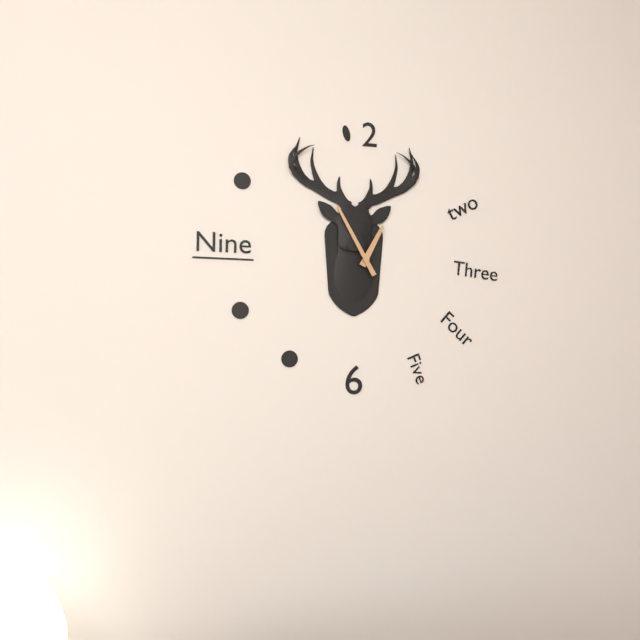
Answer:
12 h 55 min
